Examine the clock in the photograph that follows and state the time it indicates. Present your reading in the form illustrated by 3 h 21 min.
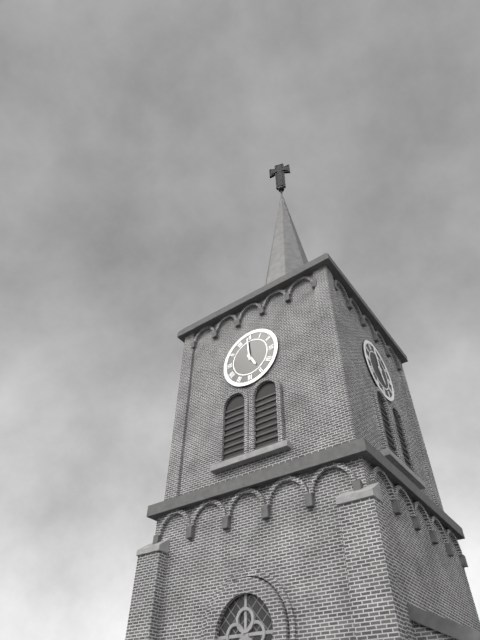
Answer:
4 h 59 min
